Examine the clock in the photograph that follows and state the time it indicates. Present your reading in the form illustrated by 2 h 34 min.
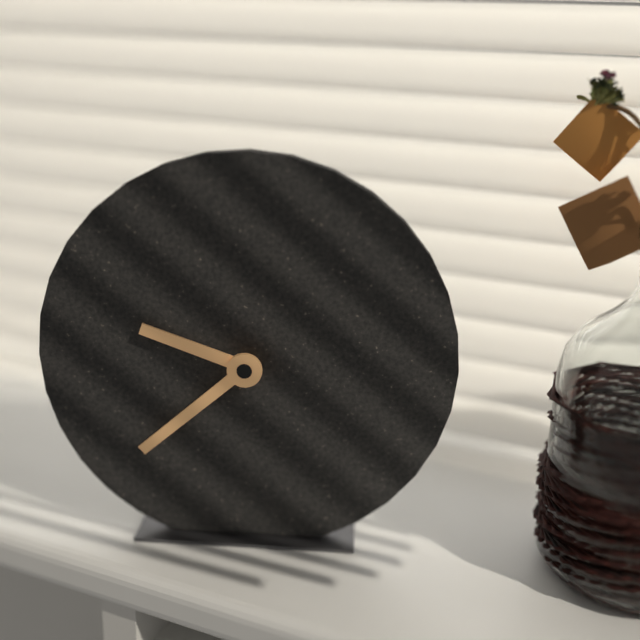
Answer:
9 h 38 min
